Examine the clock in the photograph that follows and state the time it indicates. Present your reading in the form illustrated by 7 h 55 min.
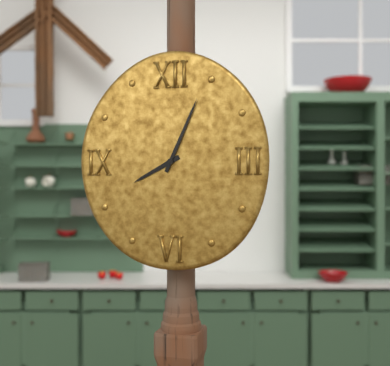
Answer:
8 h 04 min
